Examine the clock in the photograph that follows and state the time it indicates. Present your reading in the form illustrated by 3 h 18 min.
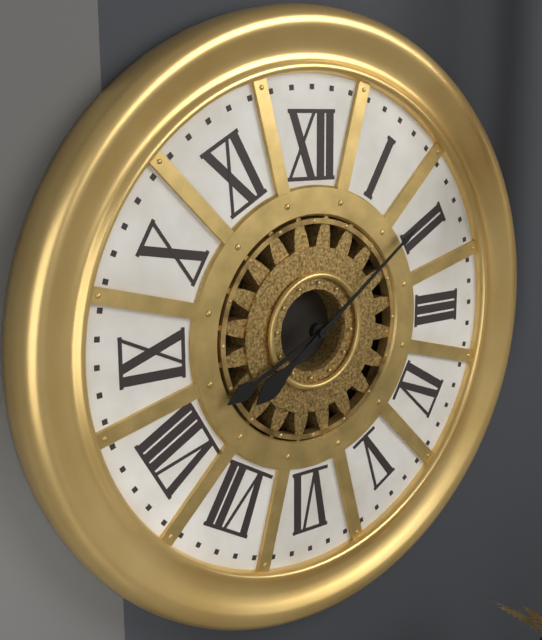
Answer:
8 h 09 min
